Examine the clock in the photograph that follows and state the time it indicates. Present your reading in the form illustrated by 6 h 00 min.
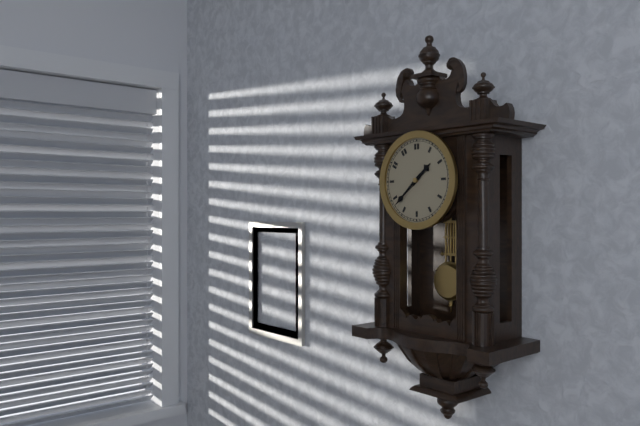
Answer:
1 h 38 min
